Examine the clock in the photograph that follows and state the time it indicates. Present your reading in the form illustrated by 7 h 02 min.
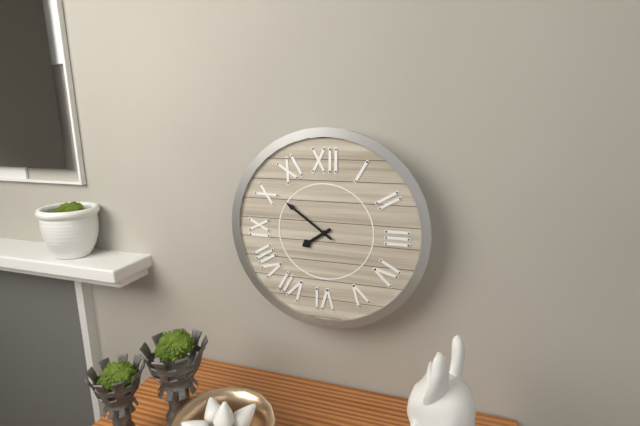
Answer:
7 h 51 min
